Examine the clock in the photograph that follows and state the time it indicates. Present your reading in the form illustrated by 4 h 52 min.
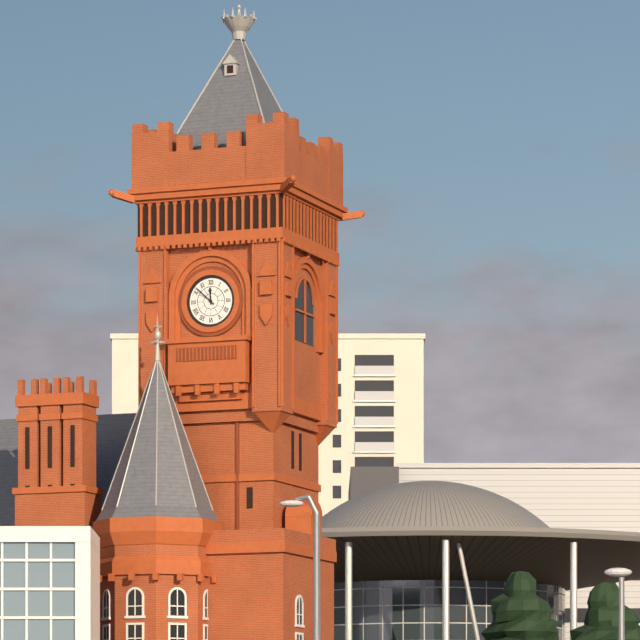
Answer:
11 h 52 min
